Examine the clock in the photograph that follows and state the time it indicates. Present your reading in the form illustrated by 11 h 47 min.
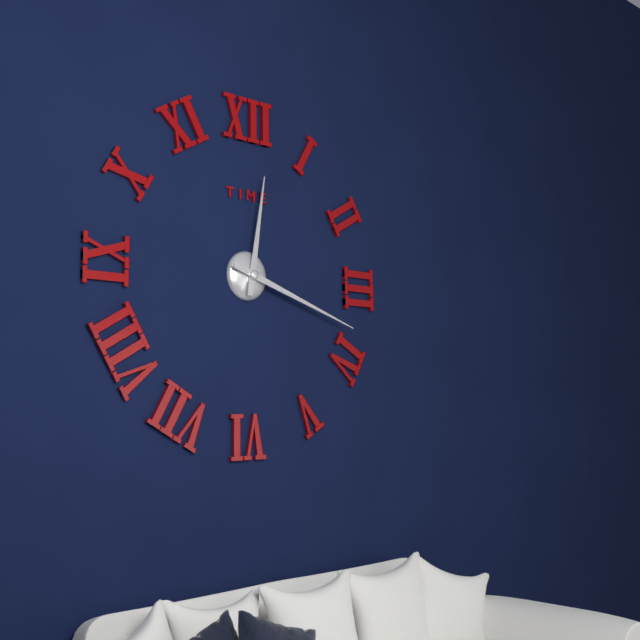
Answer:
12 h 18 min
